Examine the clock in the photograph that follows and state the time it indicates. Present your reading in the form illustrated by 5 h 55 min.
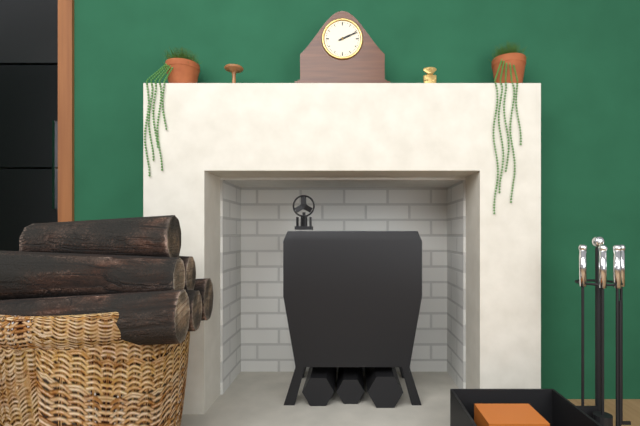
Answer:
2 h 11 min
